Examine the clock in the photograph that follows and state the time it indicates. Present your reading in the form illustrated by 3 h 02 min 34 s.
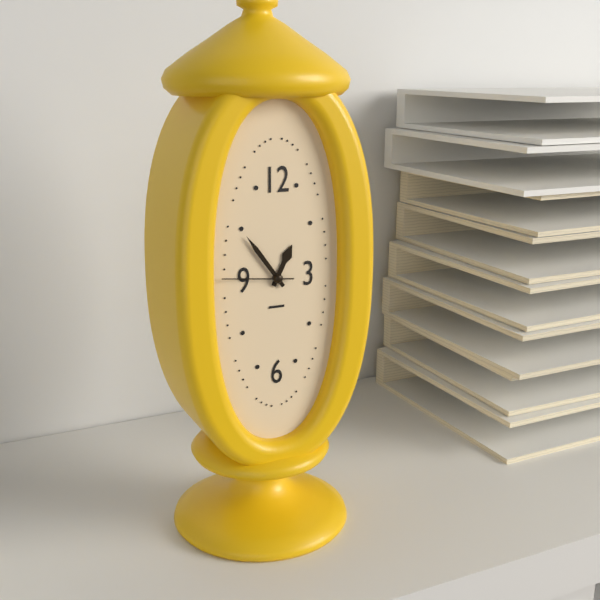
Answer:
12 h 54 min 46 s
